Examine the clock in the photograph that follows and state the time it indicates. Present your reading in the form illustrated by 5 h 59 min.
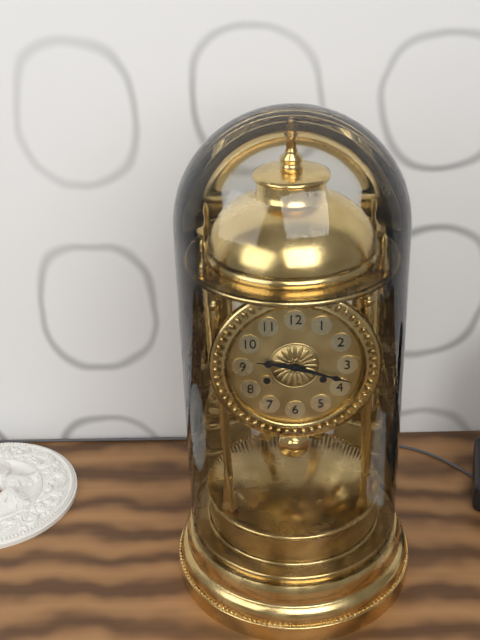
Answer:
9 h 18 min
